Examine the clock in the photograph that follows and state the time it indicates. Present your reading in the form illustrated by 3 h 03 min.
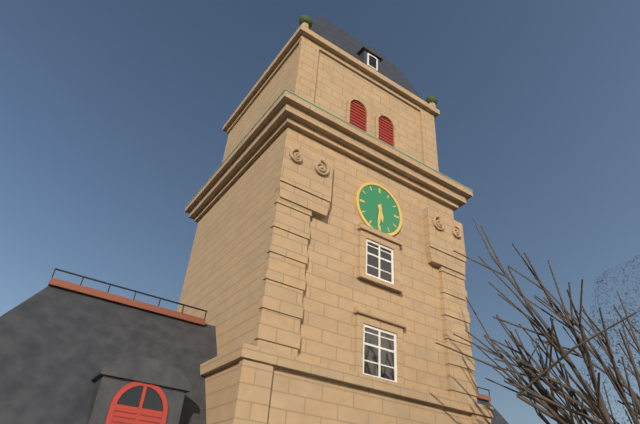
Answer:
5 h 31 min
